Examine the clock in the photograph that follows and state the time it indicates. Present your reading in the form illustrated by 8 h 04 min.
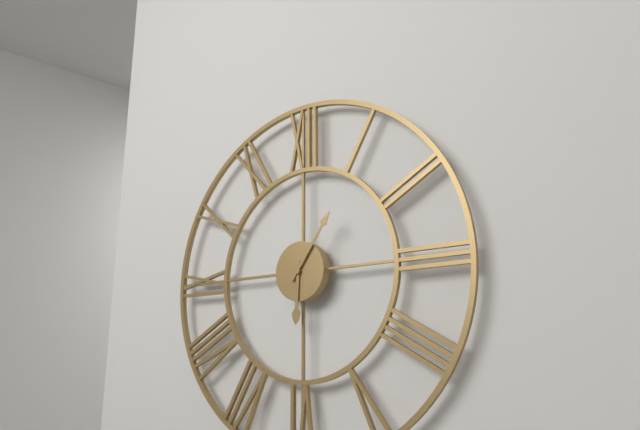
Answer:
6 h 06 min
